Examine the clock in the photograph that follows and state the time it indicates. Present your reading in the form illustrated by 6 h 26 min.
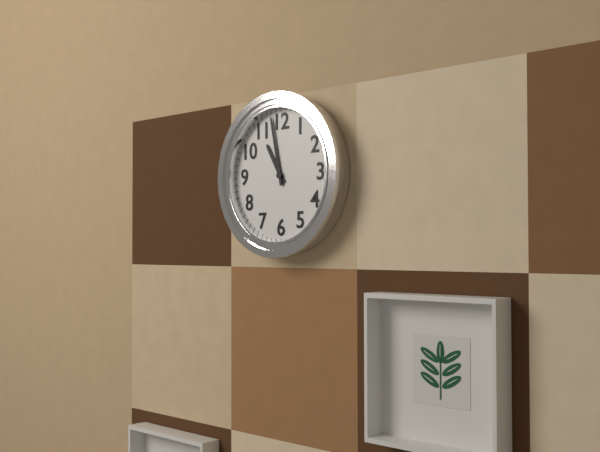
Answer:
10 h 58 min
